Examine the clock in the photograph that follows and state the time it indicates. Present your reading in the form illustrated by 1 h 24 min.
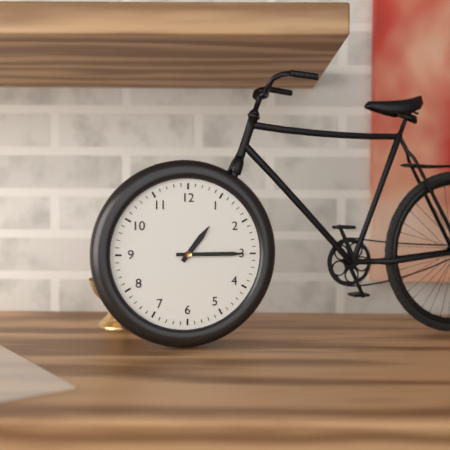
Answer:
1 h 15 min
